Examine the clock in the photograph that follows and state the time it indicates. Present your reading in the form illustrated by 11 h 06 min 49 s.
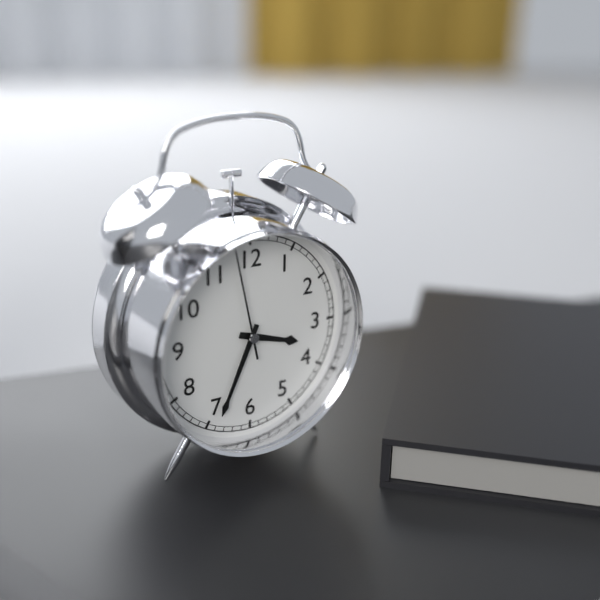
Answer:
3 h 34 min 58 s
